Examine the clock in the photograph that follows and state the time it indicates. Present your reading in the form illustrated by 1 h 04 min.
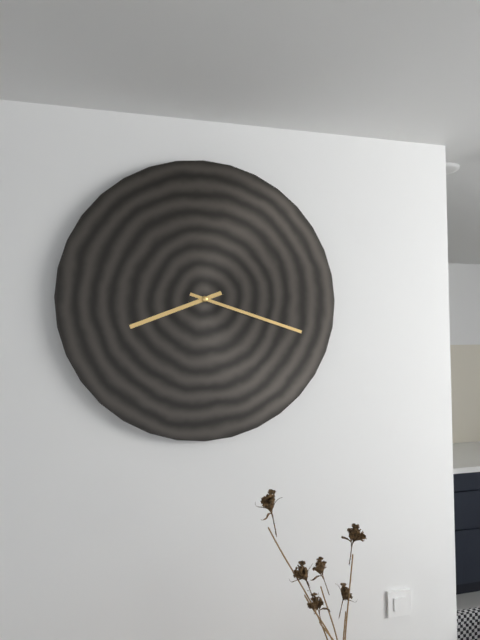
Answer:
8 h 18 min
